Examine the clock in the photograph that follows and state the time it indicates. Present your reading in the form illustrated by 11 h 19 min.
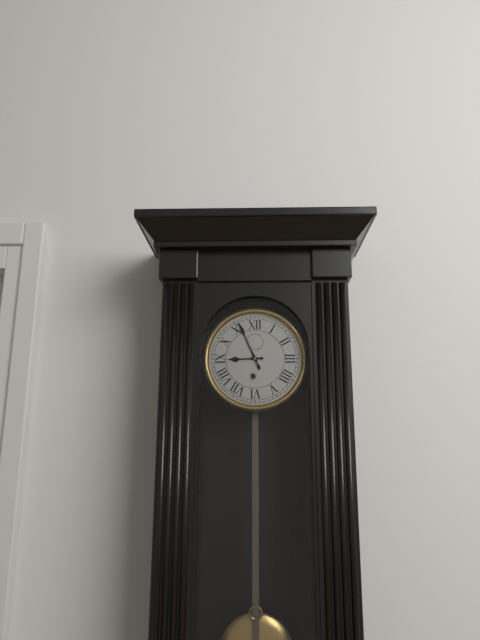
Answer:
8 h 56 min
